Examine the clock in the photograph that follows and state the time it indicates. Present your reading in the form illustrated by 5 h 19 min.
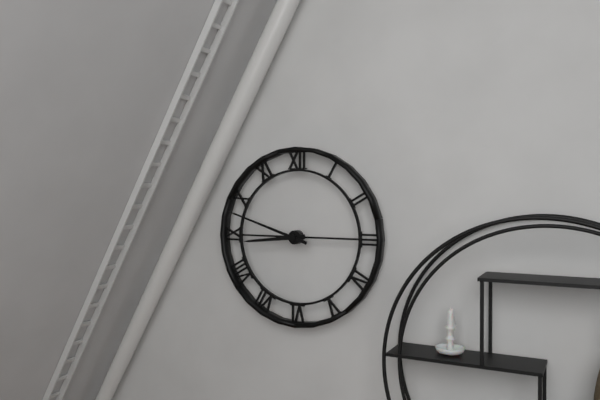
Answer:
8 h 48 min
